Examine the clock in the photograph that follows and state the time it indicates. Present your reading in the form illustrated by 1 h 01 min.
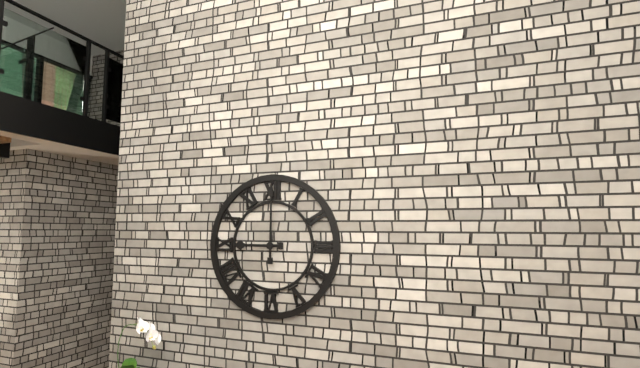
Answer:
9 h 00 min
